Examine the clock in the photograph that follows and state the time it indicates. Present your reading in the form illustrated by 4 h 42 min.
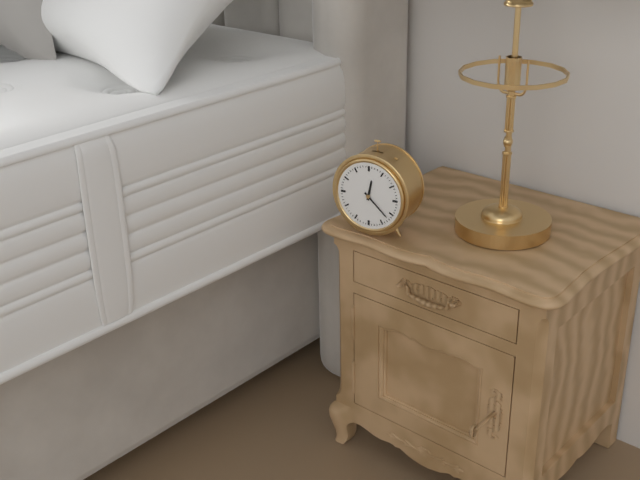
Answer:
12 h 22 min
